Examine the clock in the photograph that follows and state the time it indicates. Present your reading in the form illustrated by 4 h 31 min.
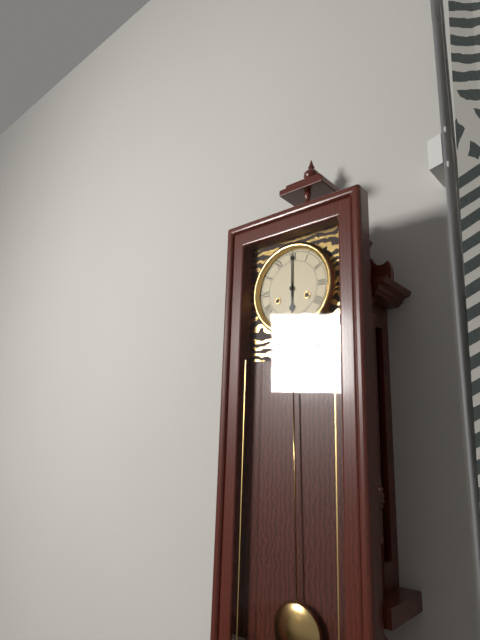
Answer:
6 h 00 min
